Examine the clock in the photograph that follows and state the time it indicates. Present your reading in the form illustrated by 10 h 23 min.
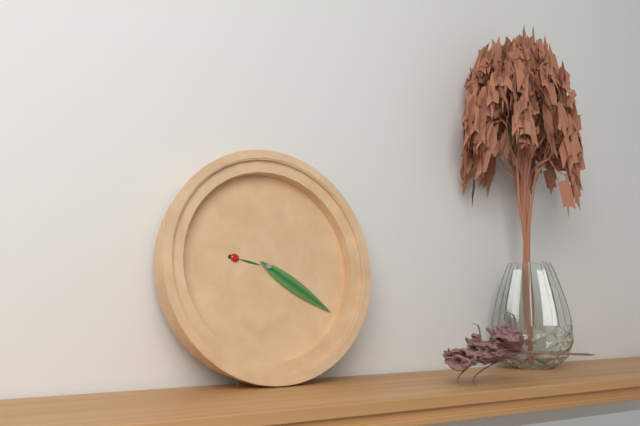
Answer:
9 h 20 min
